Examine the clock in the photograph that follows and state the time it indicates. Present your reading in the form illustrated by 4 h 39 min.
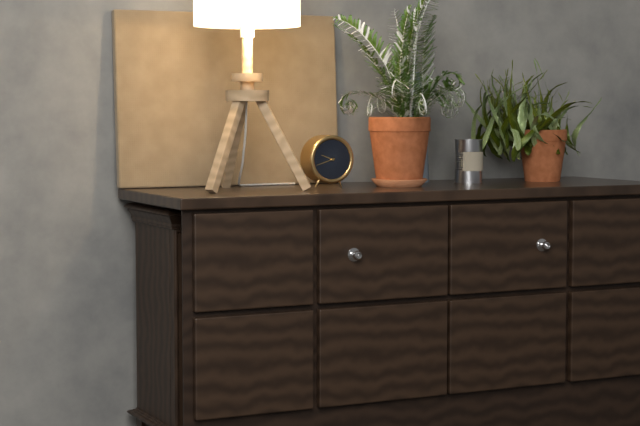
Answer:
9 h 42 min
